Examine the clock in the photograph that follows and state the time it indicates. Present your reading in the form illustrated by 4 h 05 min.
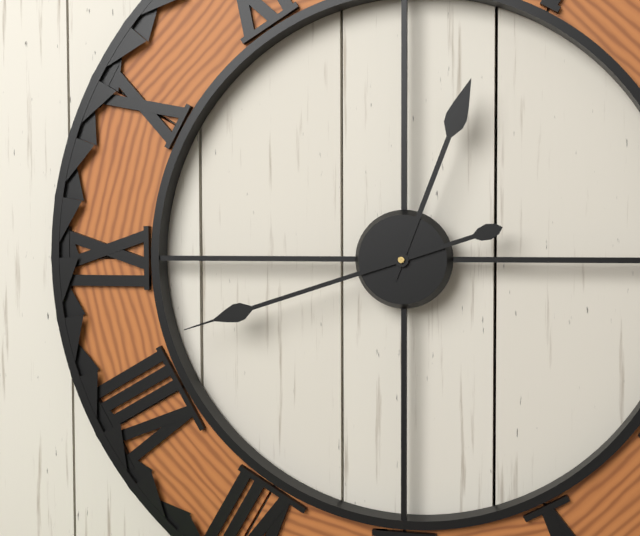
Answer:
12 h 42 min
